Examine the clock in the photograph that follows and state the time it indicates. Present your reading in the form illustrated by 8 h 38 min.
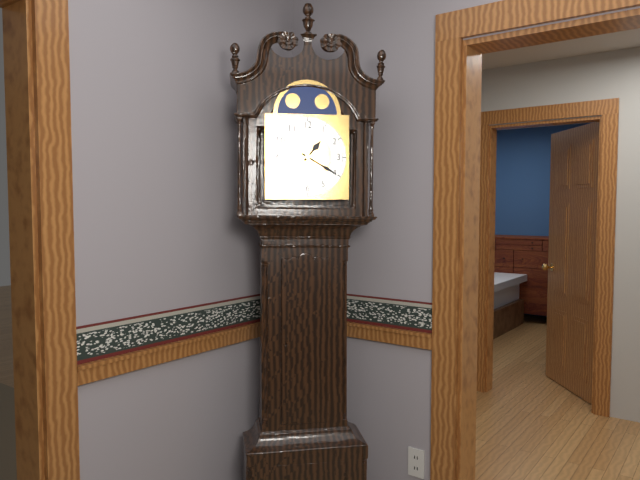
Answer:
1 h 20 min
